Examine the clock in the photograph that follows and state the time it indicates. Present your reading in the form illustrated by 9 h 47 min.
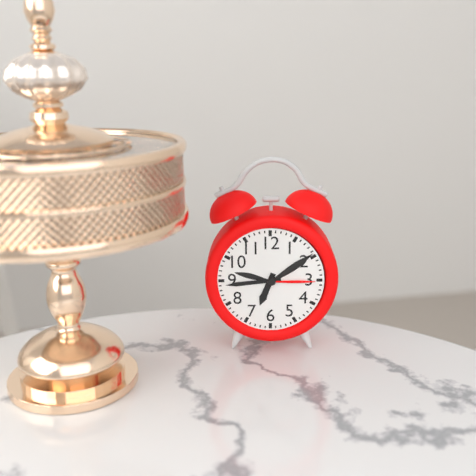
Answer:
6 h 44 min
